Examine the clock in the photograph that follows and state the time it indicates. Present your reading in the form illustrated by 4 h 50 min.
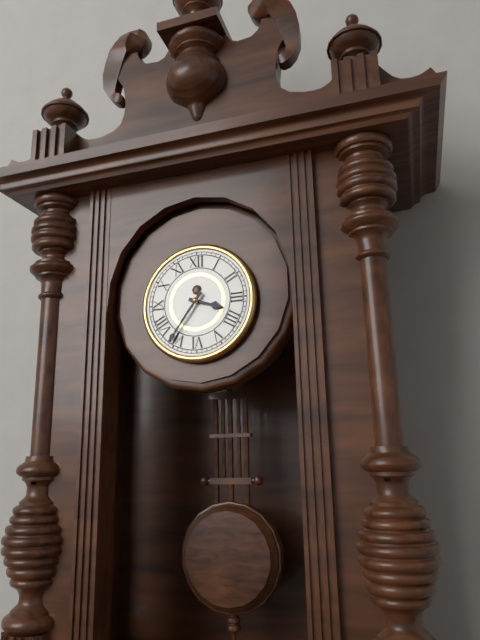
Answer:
3 h 36 min
